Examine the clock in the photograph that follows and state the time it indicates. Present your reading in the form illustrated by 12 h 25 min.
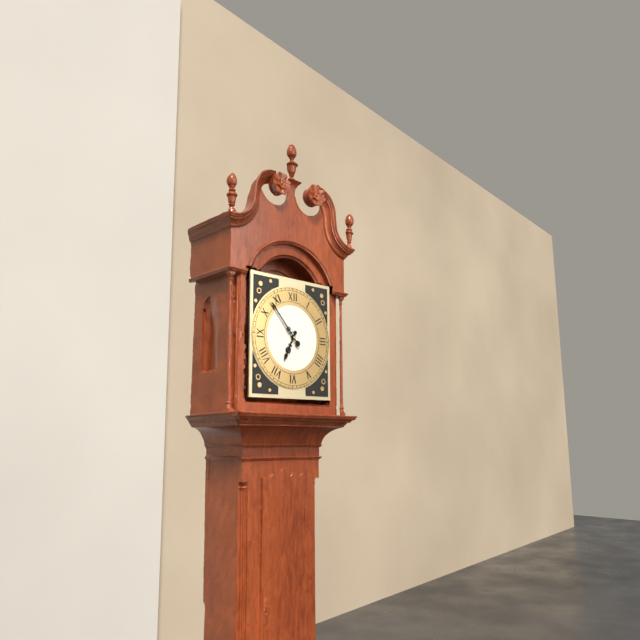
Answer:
6 h 53 min
